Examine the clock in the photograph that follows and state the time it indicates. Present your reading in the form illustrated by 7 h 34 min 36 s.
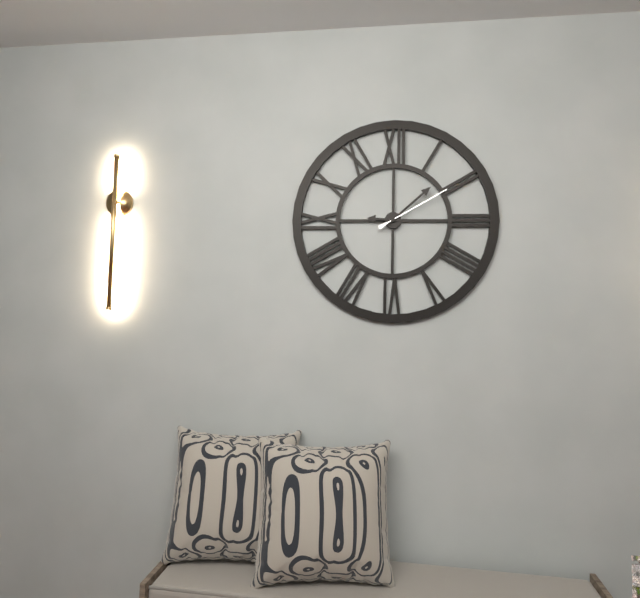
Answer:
9 h 08 min 10 s
